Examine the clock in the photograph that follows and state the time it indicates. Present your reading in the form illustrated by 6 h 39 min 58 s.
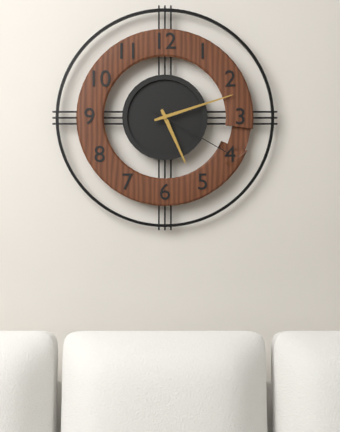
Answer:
5 h 12 min 20 s
